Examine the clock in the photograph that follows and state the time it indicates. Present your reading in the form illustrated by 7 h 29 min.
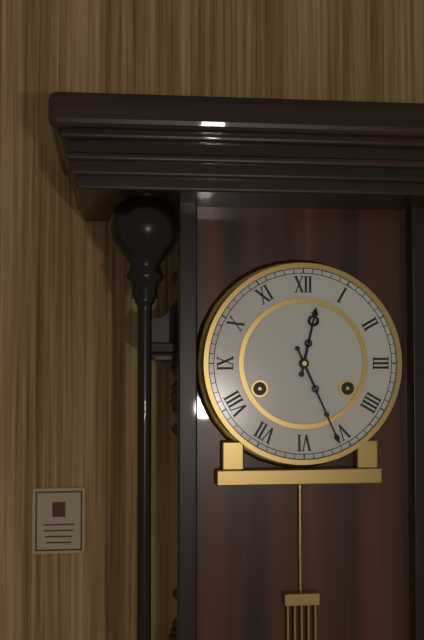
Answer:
12 h 26 min
